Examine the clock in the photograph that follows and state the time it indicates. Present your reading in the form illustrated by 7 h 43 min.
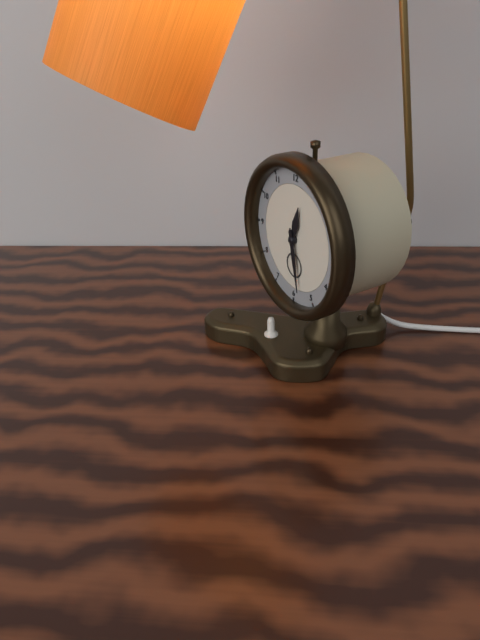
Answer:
12 h 28 min
